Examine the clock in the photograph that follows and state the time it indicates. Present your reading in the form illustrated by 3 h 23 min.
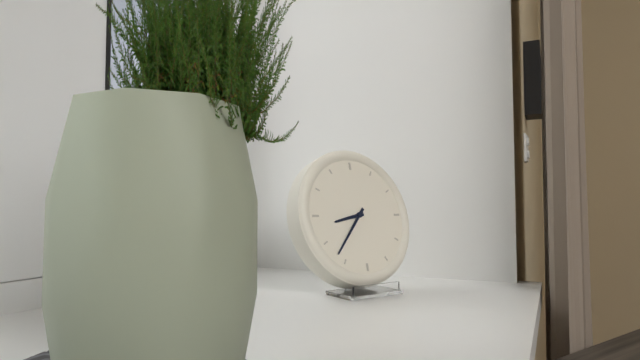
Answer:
8 h 37 min
